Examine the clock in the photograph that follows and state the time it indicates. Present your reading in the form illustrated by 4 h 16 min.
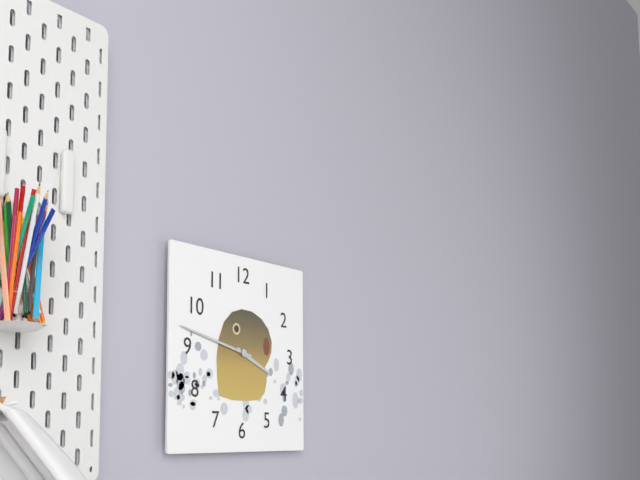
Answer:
3 h 47 min
